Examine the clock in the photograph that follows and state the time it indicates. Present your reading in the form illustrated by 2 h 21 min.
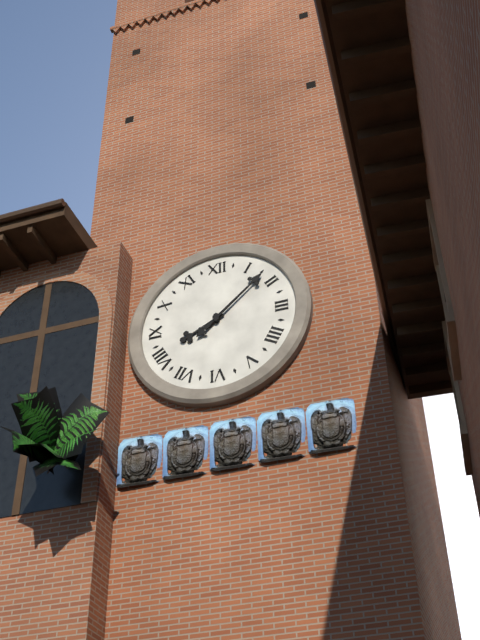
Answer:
8 h 08 min
